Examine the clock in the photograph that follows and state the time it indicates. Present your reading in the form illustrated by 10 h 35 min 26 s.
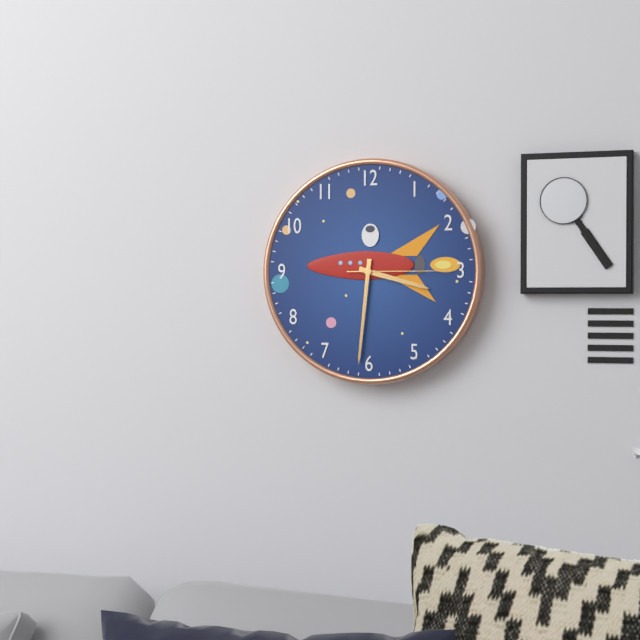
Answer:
3 h 31 min 15 s
